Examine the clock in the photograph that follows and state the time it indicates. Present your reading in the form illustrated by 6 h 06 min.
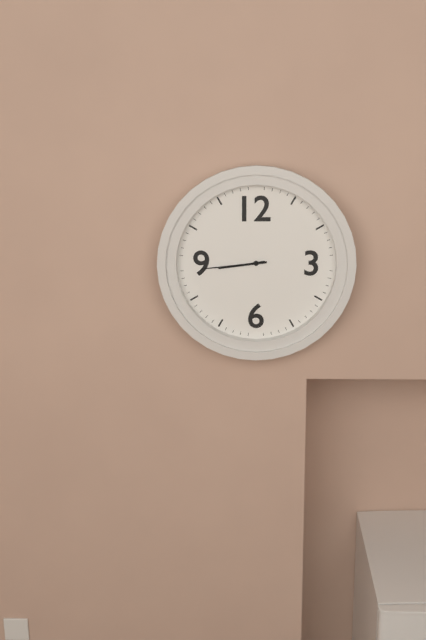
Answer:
8 h 44 min
